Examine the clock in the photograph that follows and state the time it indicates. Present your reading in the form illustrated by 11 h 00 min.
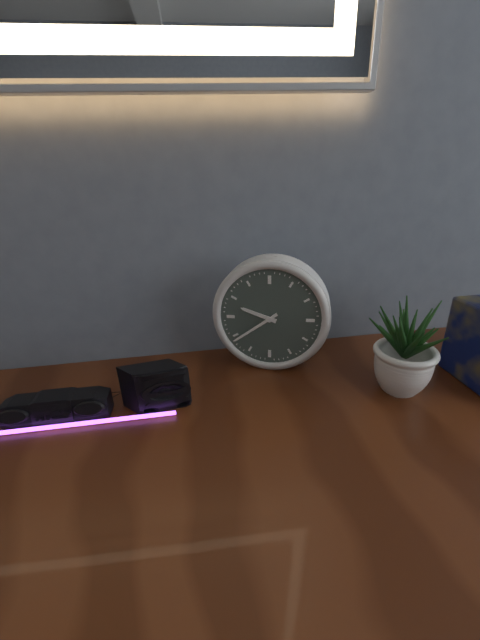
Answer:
9 h 39 min
